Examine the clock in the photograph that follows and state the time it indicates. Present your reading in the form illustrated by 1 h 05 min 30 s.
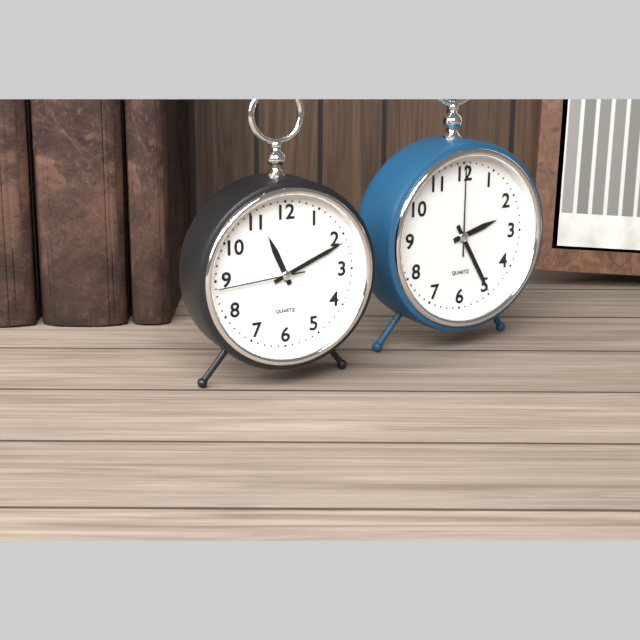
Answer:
11 h 11 min 44 s
